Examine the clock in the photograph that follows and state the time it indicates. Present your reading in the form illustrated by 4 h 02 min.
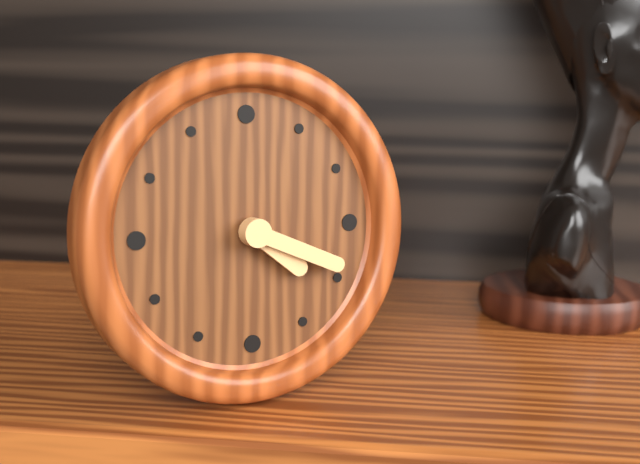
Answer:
4 h 19 min
